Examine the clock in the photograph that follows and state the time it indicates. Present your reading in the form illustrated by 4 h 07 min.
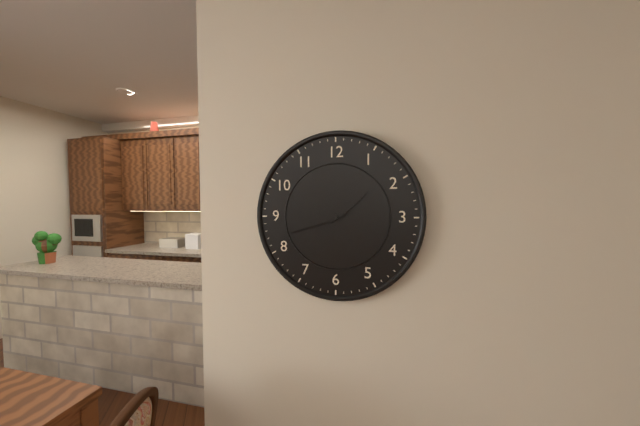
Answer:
1 h 42 min
